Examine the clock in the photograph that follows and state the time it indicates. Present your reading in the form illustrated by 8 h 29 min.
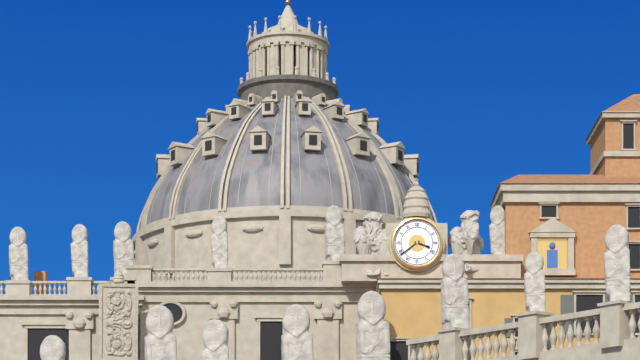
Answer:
3 h 39 min
